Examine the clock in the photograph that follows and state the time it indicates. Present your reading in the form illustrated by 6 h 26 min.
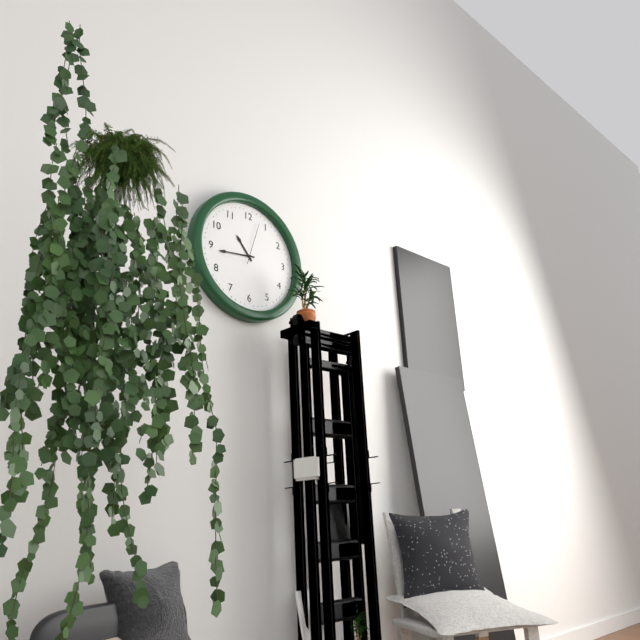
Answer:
10 h 44 min
